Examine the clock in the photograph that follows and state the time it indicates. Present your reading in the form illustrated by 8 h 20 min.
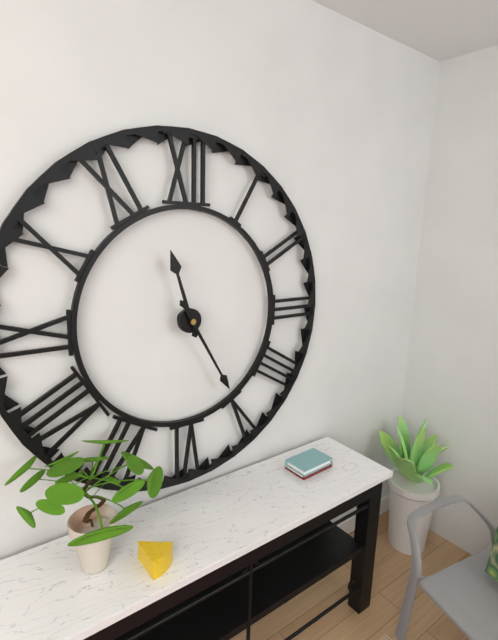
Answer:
11 h 25 min
